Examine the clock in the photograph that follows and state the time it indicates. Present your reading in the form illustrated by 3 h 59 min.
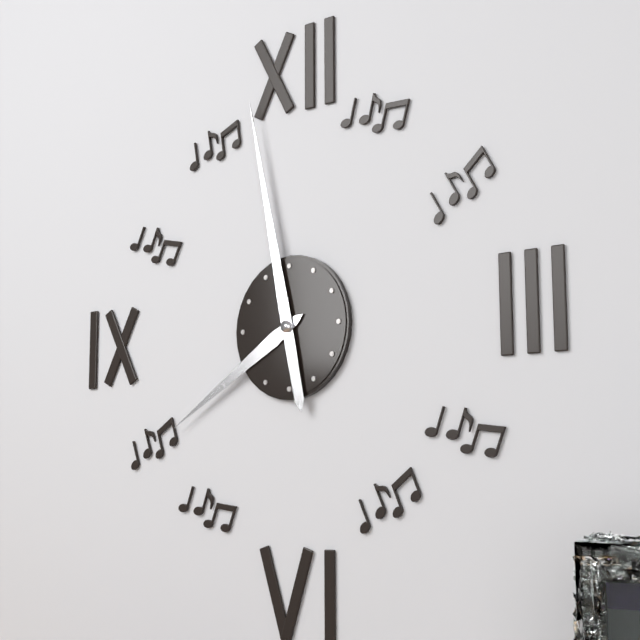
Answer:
7 h 58 min
